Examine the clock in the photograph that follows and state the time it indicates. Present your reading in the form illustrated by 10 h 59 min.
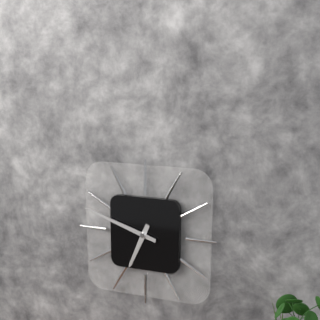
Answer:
6 h 48 min
